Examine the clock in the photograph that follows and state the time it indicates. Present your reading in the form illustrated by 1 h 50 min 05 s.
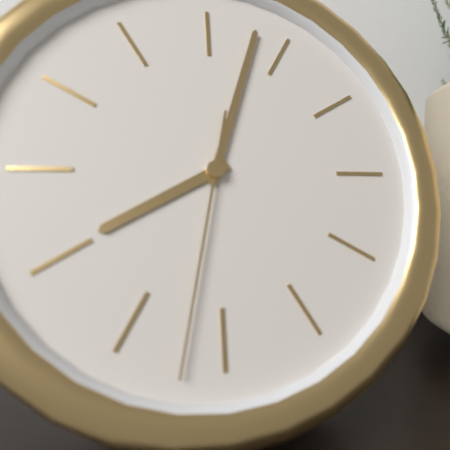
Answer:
8 h 03 min 32 s
